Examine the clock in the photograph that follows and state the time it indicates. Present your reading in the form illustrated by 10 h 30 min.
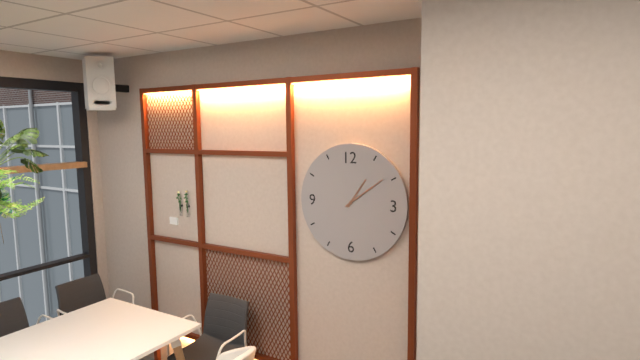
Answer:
1 h 09 min
